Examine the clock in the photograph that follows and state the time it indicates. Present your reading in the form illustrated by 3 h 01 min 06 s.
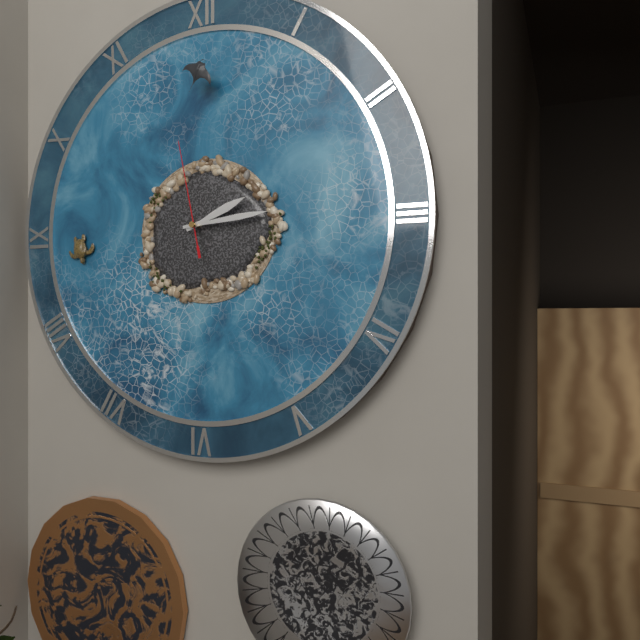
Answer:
2 h 14 min 58 s
